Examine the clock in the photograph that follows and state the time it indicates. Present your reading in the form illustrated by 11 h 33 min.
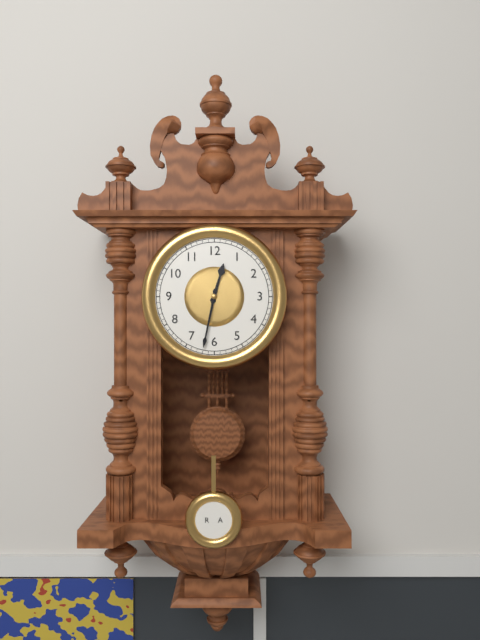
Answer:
12 h 32 min
